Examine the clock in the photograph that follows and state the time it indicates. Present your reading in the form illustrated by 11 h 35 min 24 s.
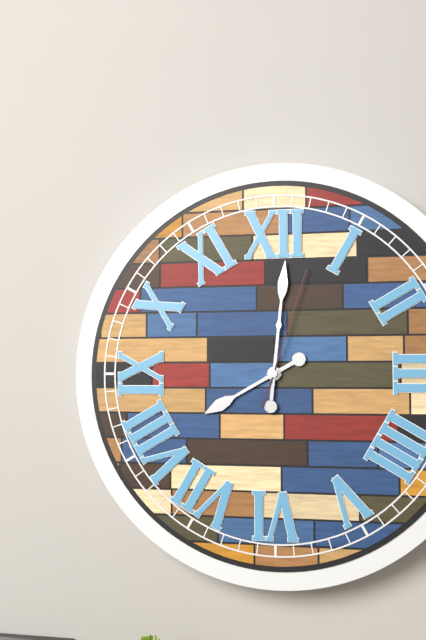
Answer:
8 h 01 min 03 s
